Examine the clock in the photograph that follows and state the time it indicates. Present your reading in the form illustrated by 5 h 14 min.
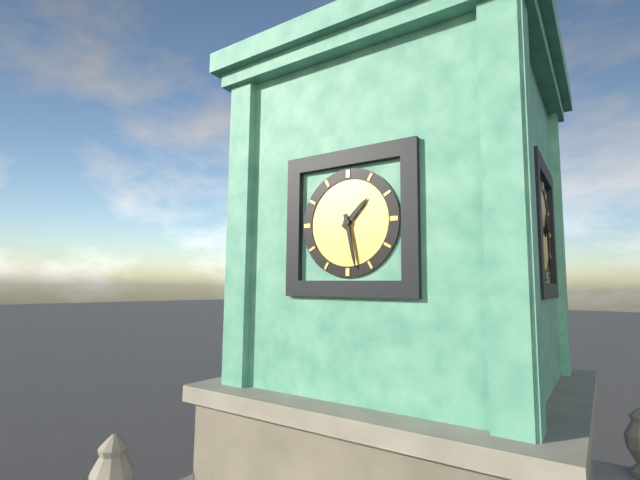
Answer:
1 h 28 min
